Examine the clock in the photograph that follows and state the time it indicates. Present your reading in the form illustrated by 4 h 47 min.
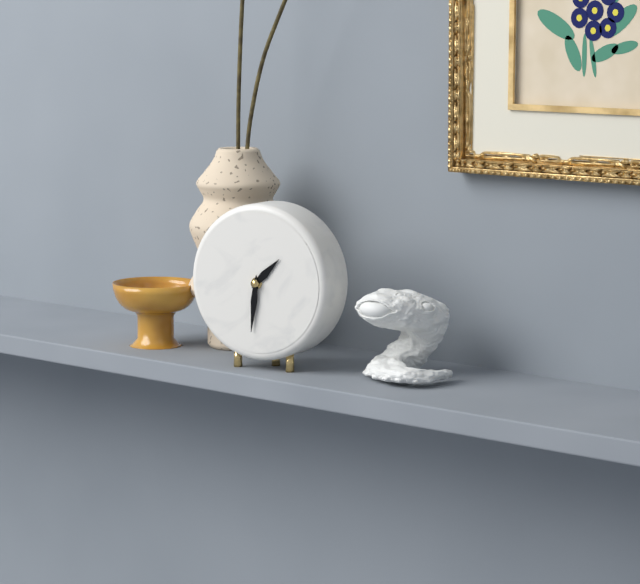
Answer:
1 h 31 min
